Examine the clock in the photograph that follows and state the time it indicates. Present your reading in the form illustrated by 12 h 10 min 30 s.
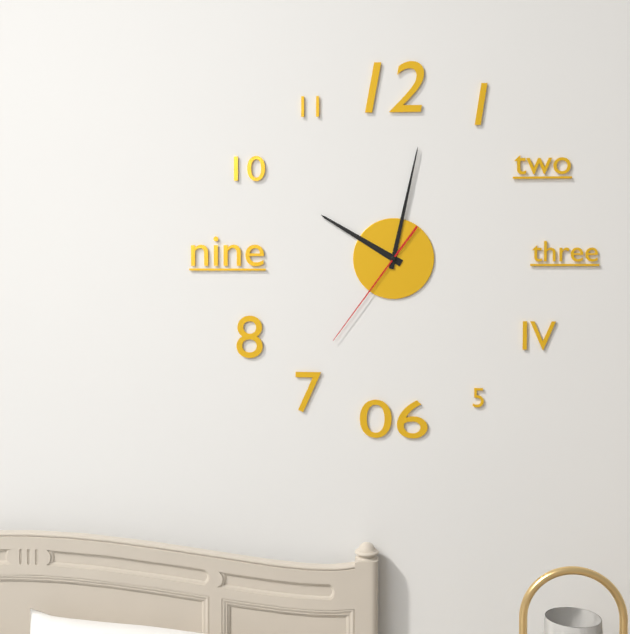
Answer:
10 h 02 min 36 s
